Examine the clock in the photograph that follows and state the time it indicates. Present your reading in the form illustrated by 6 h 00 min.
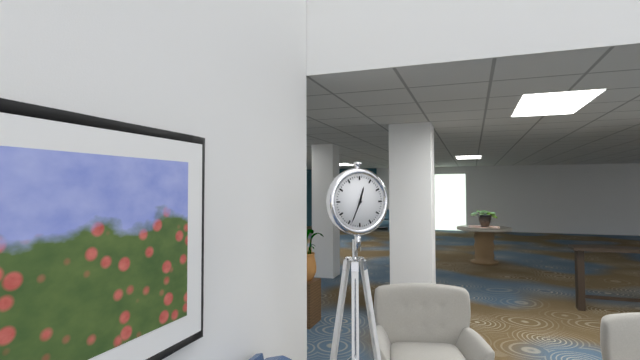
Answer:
12 h 34 min
